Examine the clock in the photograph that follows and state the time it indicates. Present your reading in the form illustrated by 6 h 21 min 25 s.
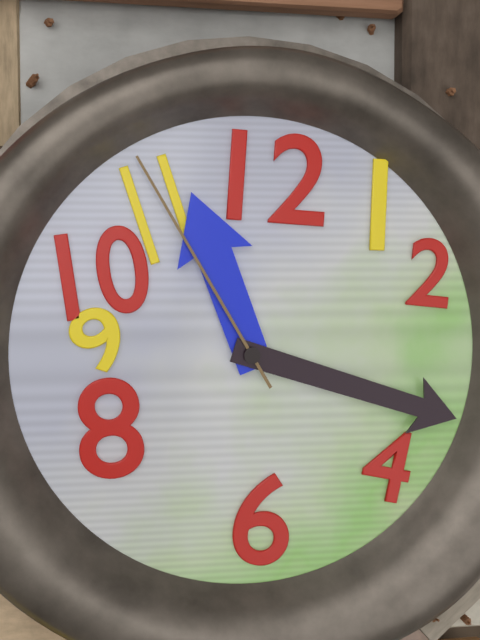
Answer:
11 h 18 min 55 s
